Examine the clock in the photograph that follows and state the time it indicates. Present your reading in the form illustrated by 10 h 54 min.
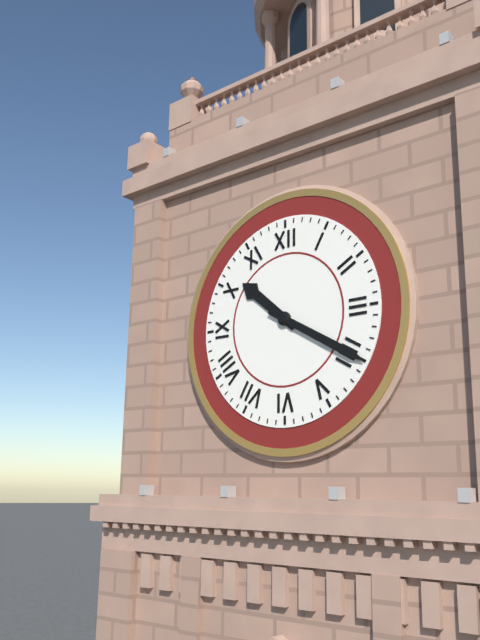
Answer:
10 h 20 min
